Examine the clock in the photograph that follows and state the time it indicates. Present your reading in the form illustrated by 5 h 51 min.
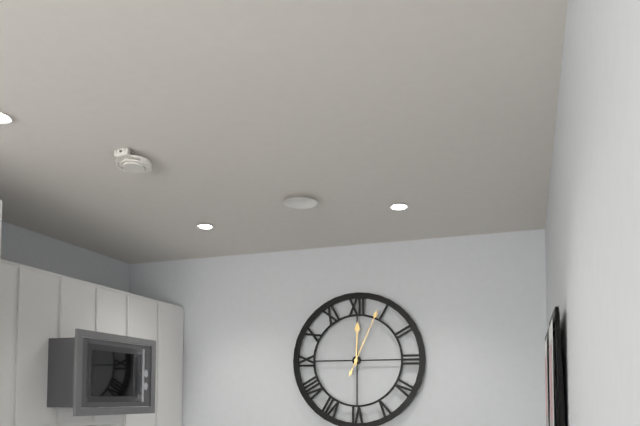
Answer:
12 h 04 min
